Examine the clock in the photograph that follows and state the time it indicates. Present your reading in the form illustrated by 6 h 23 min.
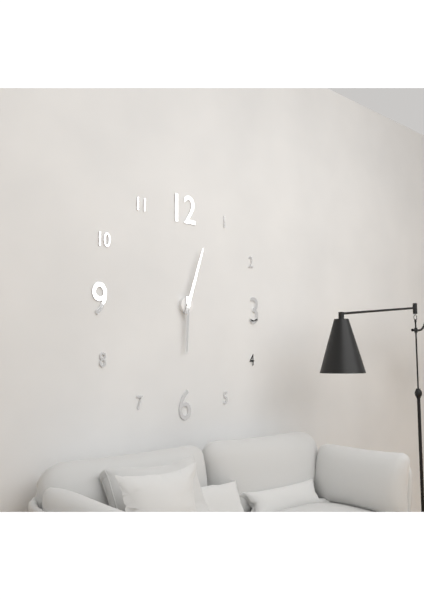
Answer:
6 h 03 min
